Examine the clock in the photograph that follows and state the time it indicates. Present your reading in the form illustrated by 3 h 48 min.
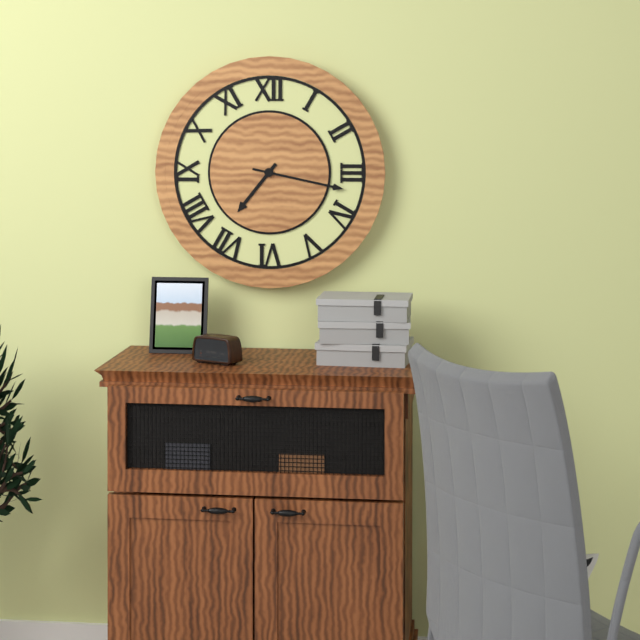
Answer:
7 h 17 min
